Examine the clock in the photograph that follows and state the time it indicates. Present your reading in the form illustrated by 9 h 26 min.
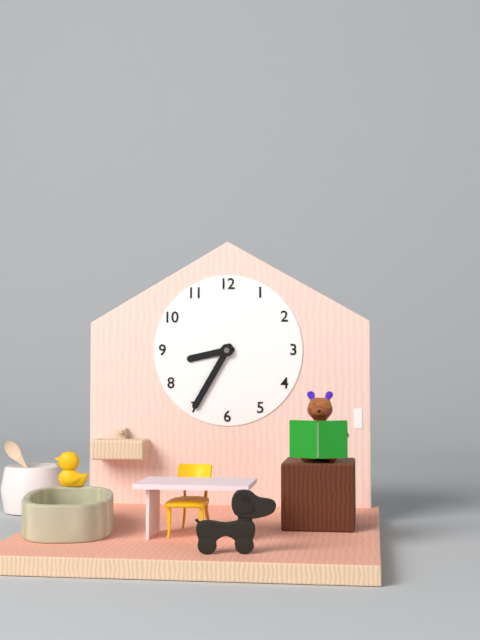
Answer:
8 h 35 min
